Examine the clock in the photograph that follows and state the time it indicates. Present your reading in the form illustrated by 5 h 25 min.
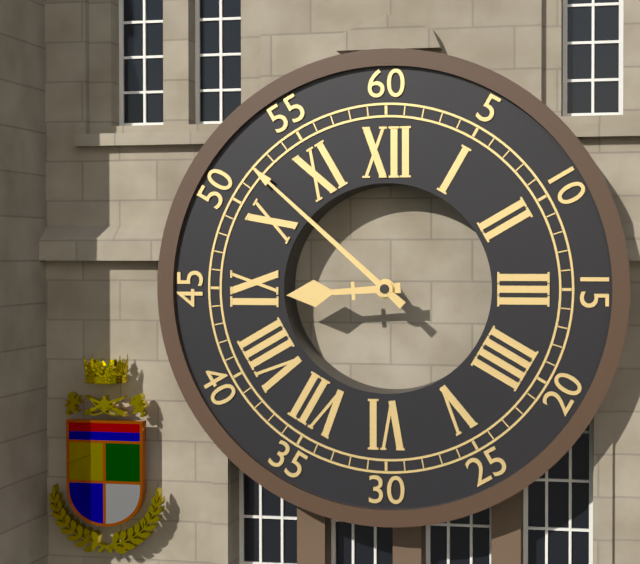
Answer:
8 h 52 min
